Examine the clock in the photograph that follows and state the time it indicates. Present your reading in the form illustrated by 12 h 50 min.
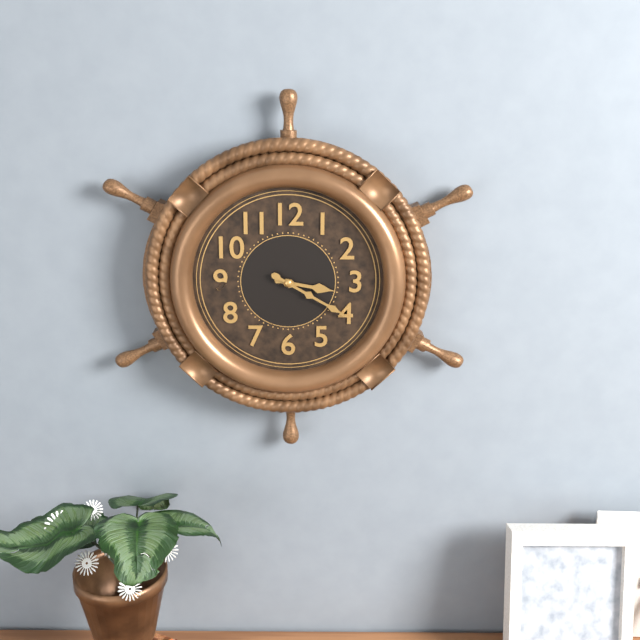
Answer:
3 h 20 min
